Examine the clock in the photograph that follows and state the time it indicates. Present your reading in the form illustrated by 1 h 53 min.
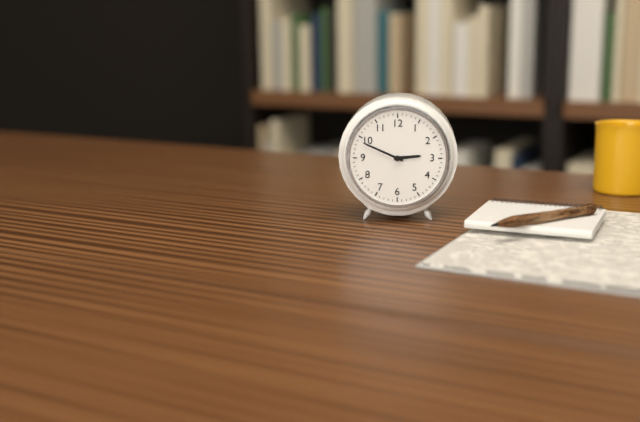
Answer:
2 h 49 min
